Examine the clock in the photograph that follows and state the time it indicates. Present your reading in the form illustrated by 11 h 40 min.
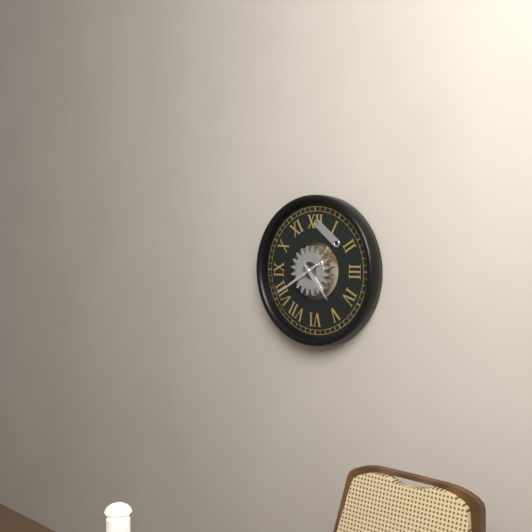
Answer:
4 h 40 min
